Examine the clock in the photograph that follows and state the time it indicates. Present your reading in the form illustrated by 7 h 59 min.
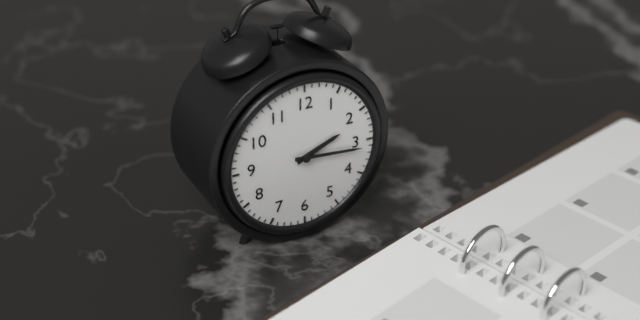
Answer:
2 h 16 min
